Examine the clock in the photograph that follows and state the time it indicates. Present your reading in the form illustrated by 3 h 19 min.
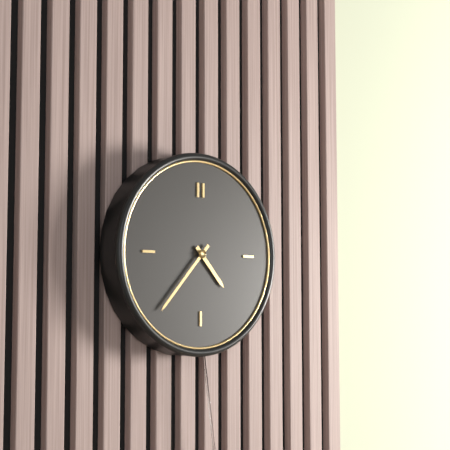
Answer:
4 h 37 min
